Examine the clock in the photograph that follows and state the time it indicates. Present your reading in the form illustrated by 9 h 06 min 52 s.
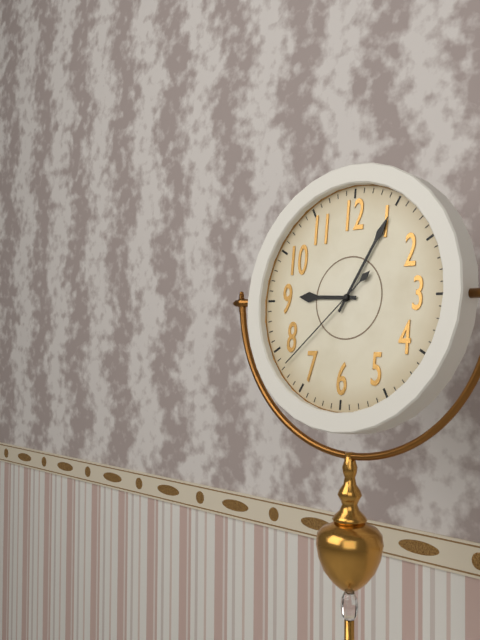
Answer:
9 h 05 min 38 s
